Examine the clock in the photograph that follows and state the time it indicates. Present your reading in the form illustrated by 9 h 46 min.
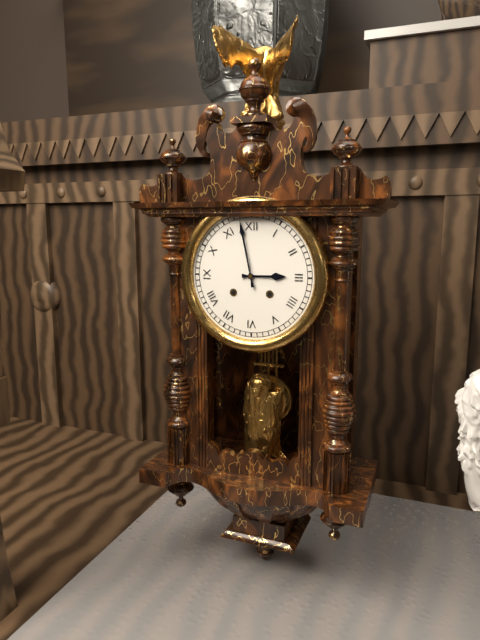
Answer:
2 h 58 min
